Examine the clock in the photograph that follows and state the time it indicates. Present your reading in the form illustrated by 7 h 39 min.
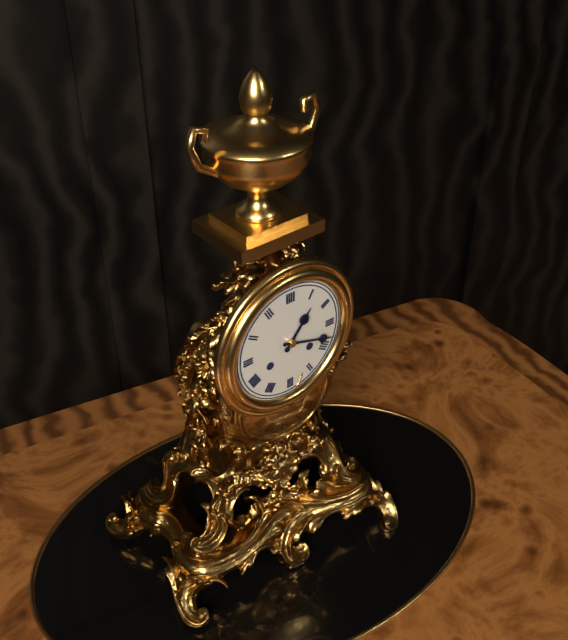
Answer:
1 h 18 min
